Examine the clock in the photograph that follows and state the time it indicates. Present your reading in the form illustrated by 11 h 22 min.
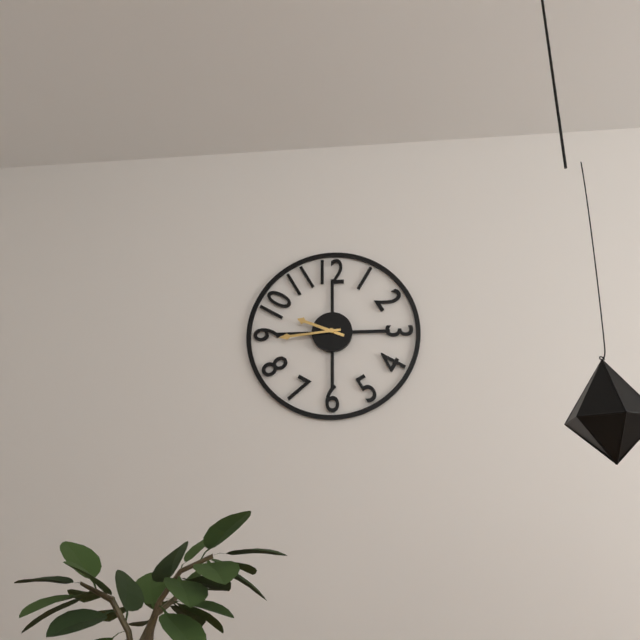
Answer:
9 h 44 min
